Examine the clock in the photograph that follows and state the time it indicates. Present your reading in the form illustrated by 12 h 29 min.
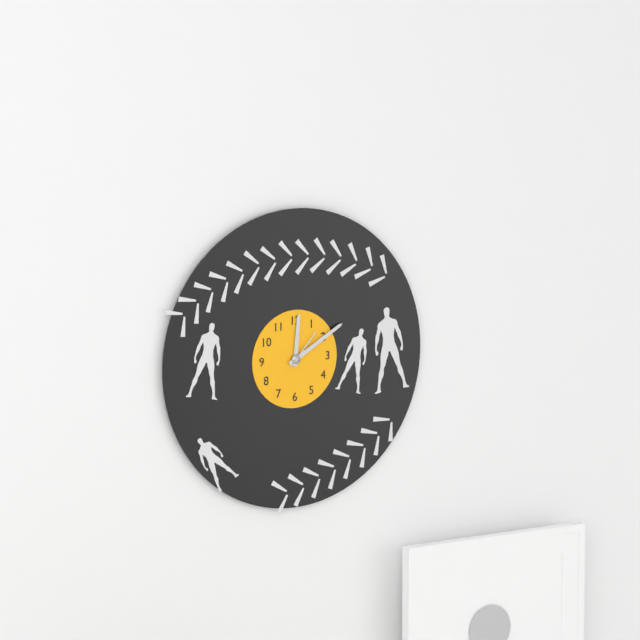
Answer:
12 h 10 min
